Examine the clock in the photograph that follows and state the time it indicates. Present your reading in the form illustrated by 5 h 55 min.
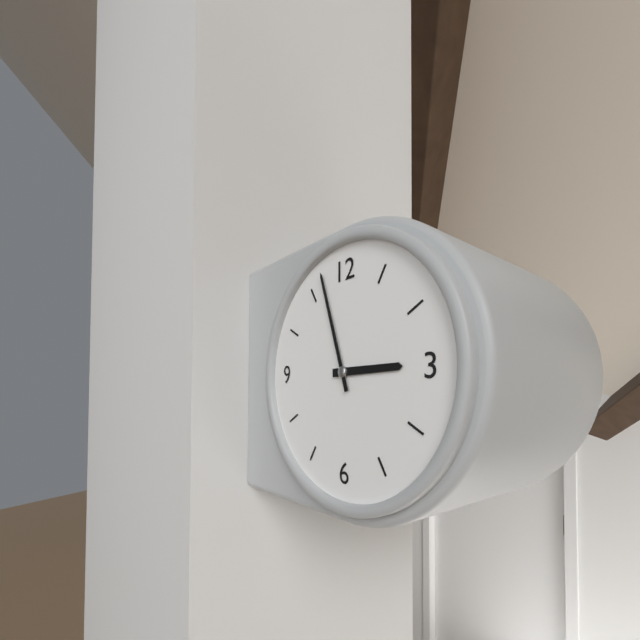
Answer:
2 h 57 min
